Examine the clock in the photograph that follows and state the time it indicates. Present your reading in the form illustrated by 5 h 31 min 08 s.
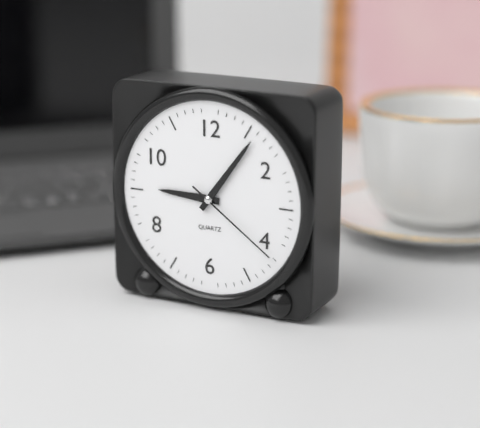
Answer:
9 h 06 min 21 s
